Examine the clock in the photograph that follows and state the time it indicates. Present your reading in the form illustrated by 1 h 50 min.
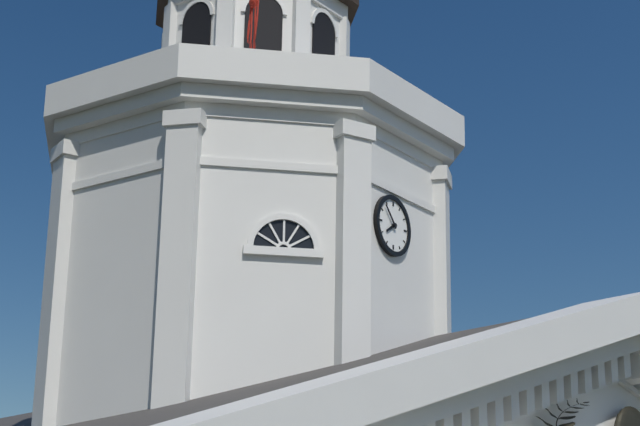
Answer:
7 h 53 min
